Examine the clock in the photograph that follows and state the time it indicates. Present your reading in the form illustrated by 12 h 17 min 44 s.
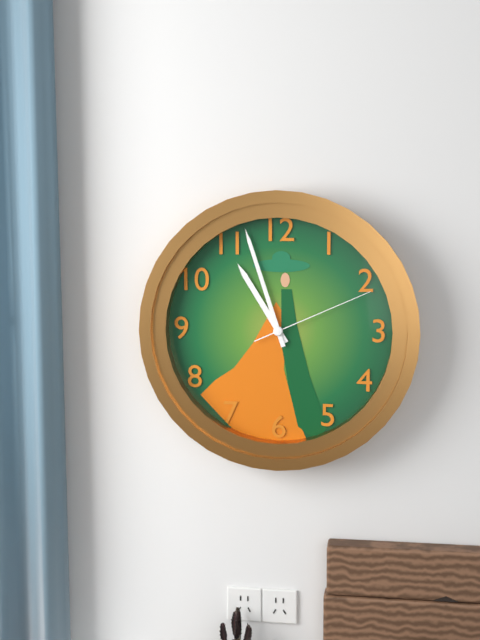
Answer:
10 h 57 min 11 s
